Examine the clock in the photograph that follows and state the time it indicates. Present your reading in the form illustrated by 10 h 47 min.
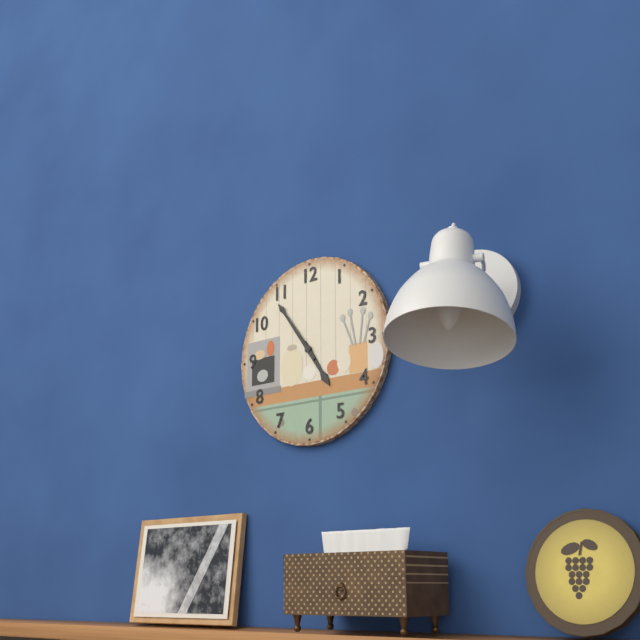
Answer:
4 h 54 min
